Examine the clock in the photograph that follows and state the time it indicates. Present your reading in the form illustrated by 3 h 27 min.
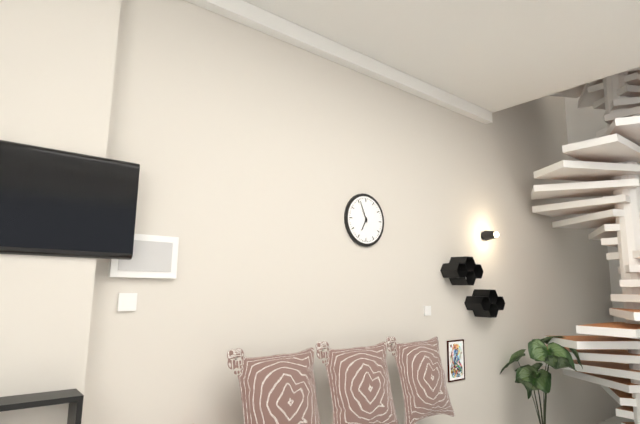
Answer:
6 h 56 min
